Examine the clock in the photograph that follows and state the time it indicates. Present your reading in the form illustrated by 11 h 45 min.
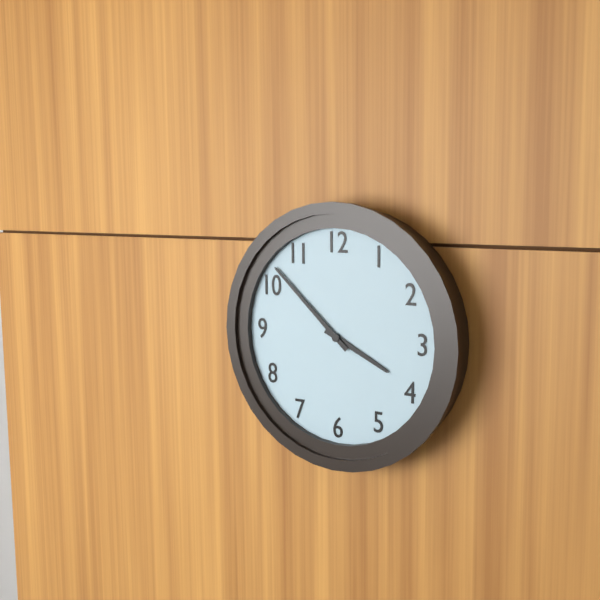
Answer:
3 h 52 min
